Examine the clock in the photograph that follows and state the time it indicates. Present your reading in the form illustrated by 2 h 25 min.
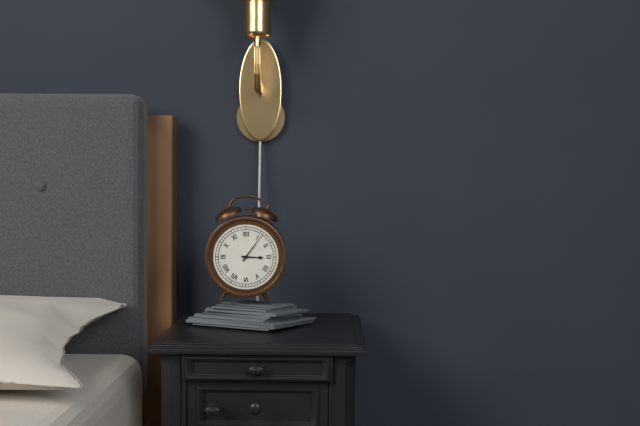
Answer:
3 h 06 min
